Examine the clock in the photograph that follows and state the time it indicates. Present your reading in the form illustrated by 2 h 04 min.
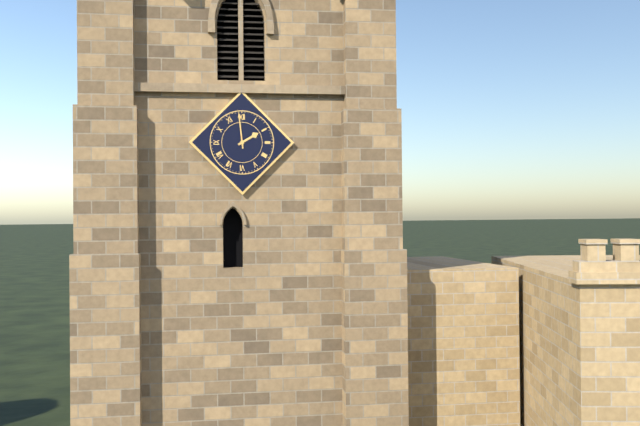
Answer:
1 h 59 min
